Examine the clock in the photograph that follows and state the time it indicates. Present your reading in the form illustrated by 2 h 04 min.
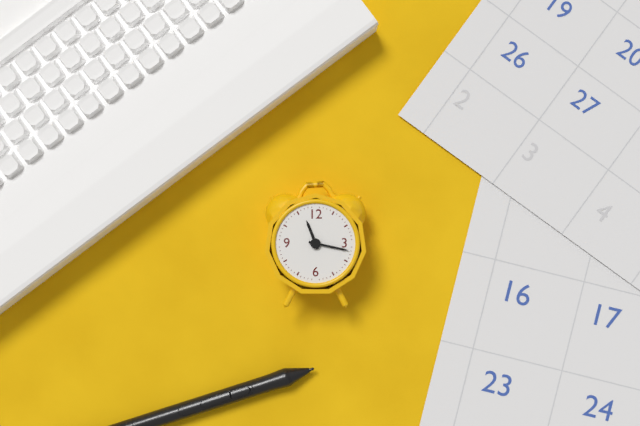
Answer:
11 h 17 min
